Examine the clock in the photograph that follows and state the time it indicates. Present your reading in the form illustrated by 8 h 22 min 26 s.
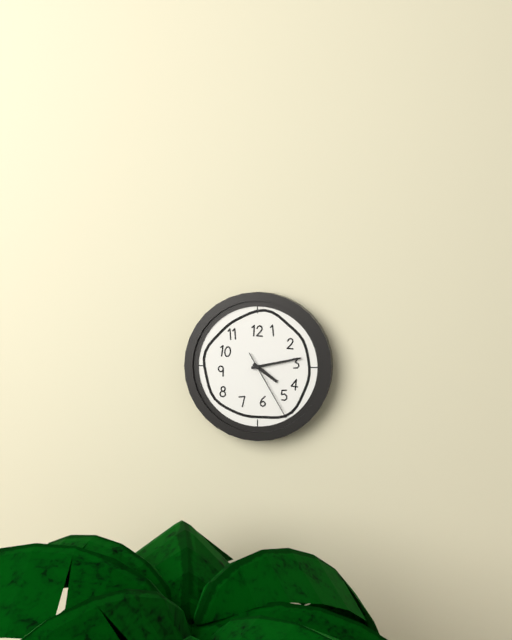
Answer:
4 h 13 min 25 s
